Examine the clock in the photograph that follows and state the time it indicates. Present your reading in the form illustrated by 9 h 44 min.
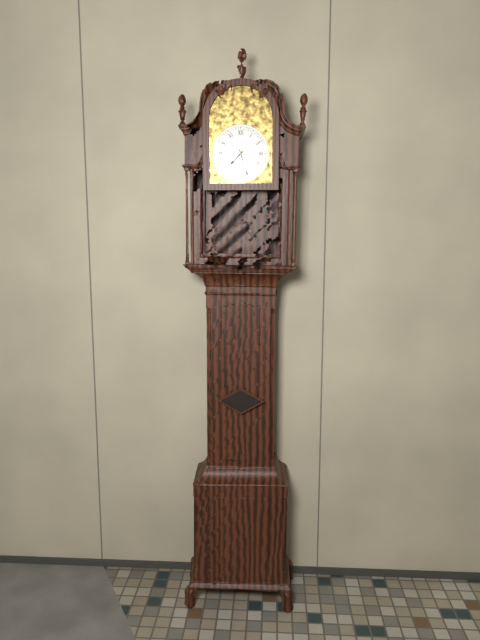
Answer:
7 h 27 min
